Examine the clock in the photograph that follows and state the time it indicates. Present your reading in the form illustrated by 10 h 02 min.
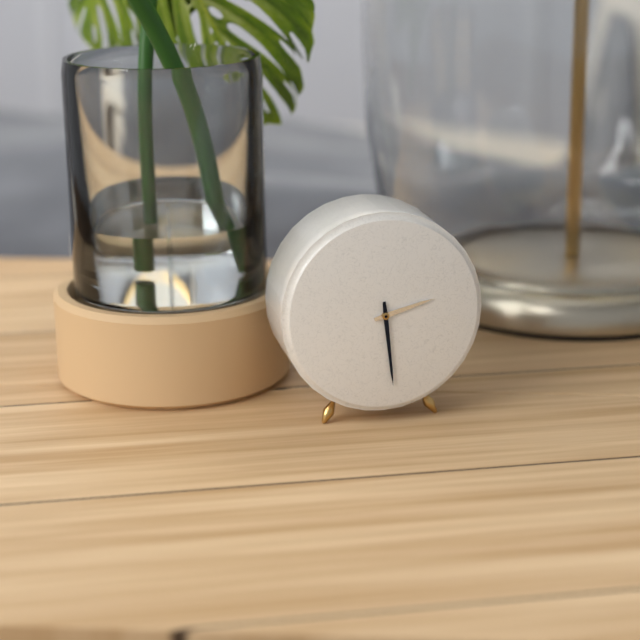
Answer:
2 h 29 min
